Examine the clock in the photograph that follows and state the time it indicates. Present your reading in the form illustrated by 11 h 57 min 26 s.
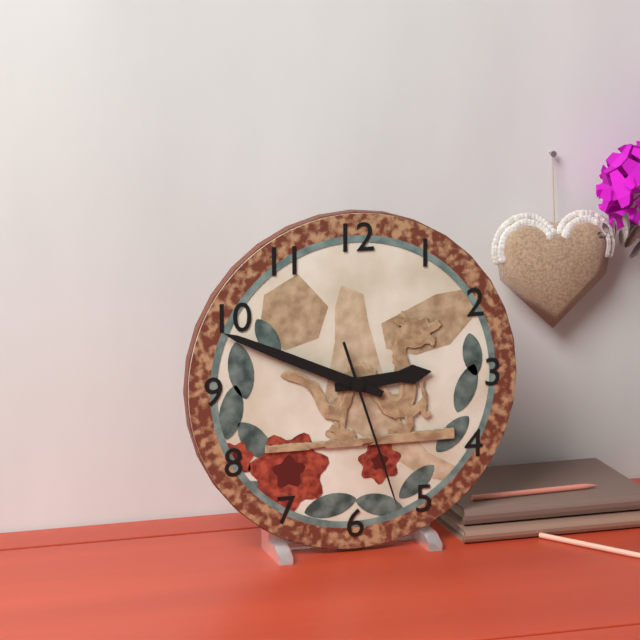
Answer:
2 h 49 min 27 s
